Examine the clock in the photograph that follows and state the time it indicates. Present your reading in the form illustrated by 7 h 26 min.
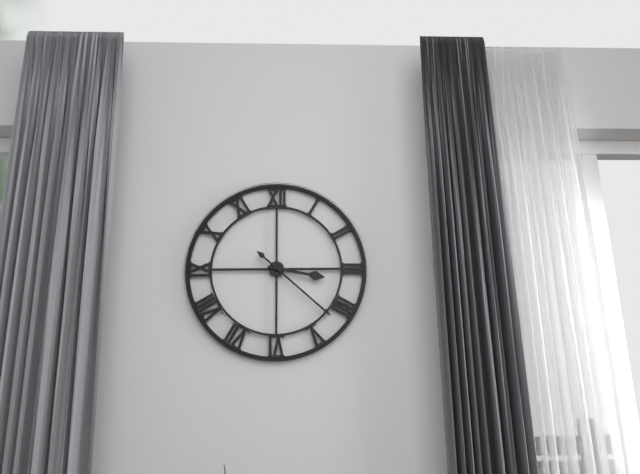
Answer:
3 h 22 min
